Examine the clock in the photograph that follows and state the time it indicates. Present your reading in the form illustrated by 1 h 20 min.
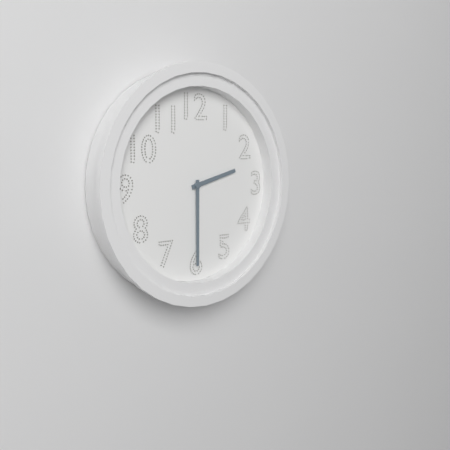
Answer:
2 h 30 min
